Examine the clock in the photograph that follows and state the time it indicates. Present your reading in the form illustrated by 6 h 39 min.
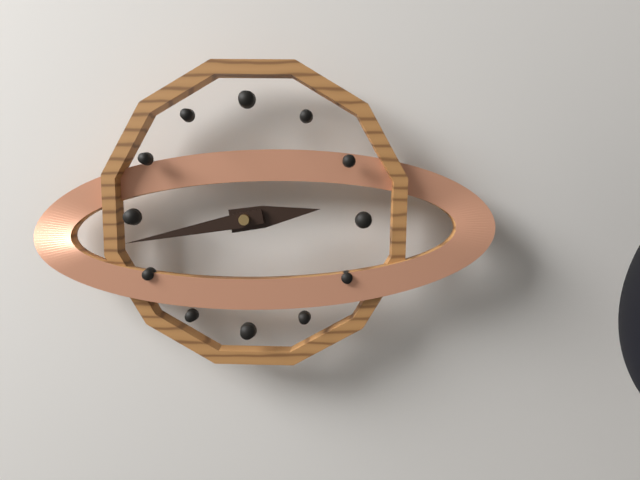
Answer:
2 h 43 min
